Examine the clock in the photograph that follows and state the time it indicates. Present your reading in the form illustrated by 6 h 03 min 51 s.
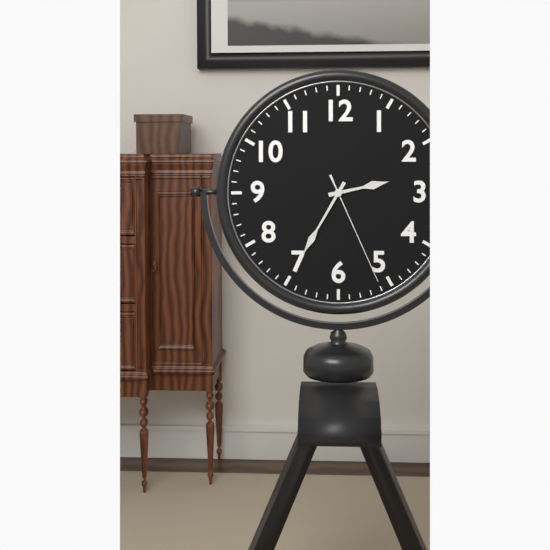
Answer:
2 h 35 min 26 s
